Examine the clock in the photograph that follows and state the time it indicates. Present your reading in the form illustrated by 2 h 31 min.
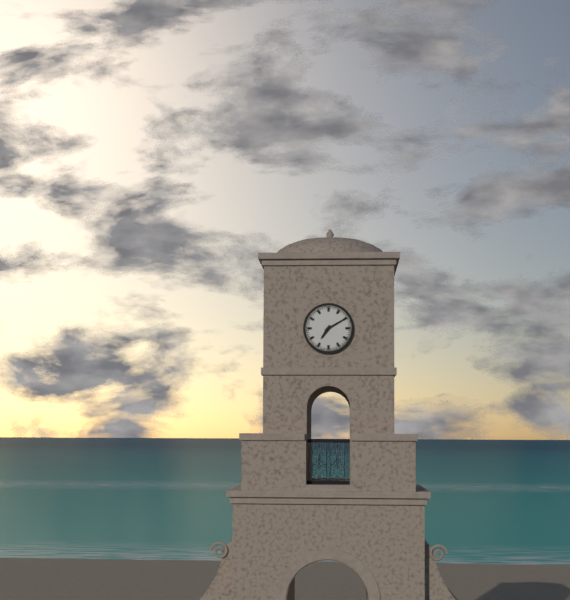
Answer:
7 h 10 min
